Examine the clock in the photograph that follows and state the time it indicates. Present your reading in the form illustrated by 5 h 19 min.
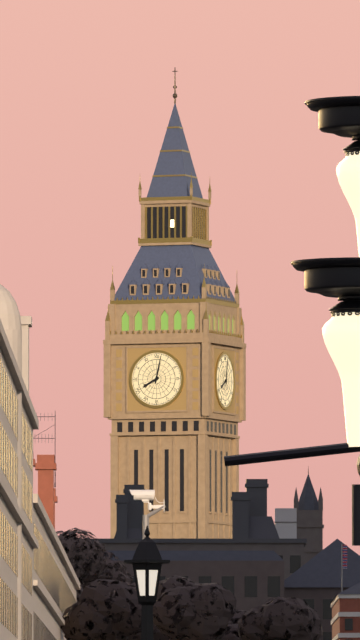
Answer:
8 h 02 min
